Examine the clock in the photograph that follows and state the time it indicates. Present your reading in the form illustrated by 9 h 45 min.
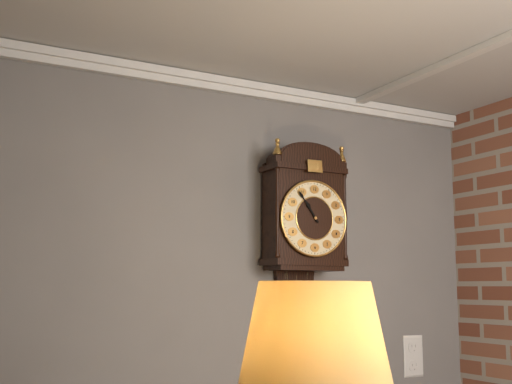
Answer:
10 h 54 min
